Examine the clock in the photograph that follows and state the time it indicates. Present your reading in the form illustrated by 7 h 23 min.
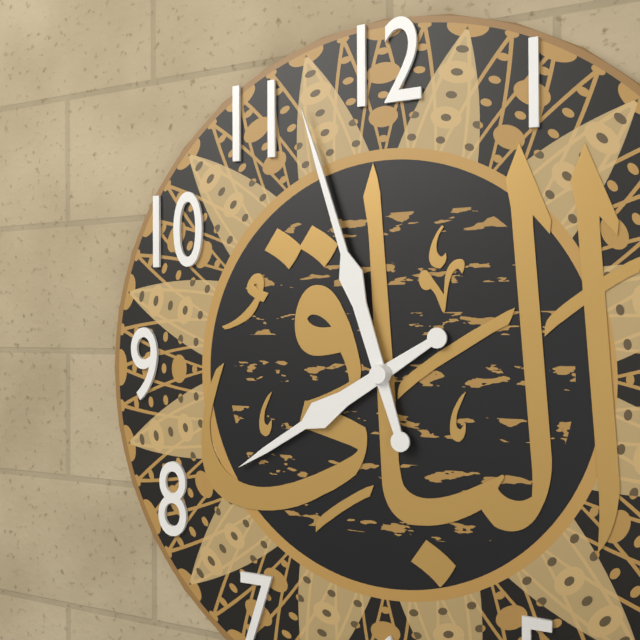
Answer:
7 h 57 min
